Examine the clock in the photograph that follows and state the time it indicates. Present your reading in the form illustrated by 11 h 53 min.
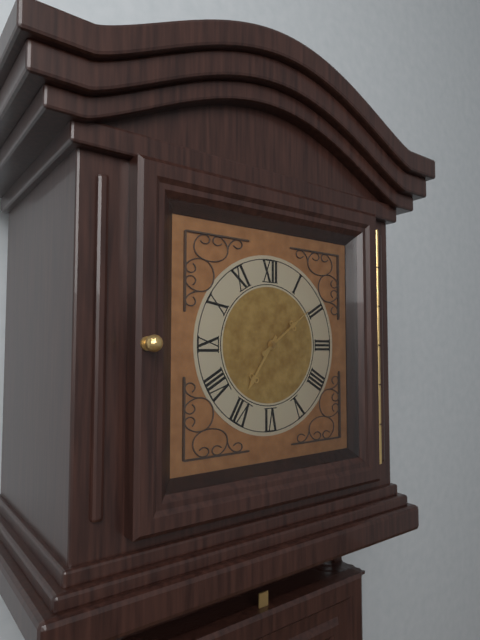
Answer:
7 h 09 min
